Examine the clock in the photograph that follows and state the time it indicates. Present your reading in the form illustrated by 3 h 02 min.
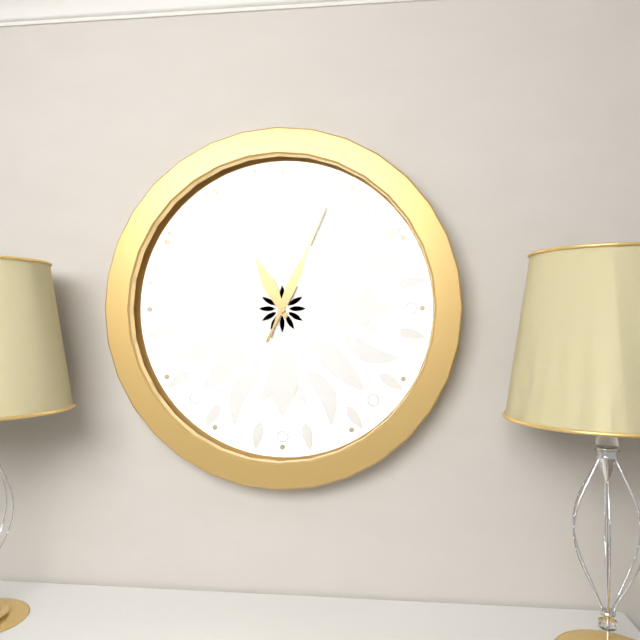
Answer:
11 h 04 min
